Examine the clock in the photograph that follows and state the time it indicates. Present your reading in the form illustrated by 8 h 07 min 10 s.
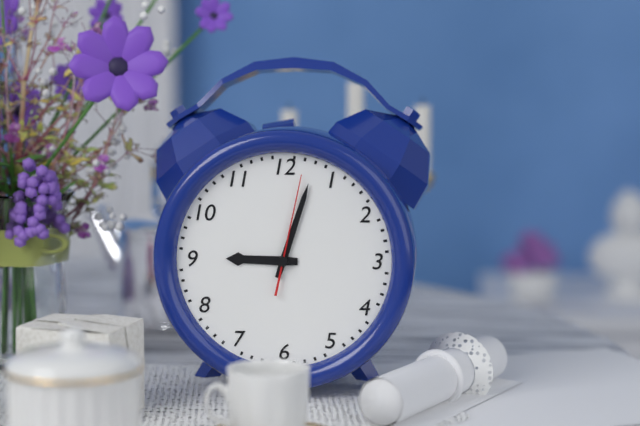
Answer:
9 h 03 min 02 s
